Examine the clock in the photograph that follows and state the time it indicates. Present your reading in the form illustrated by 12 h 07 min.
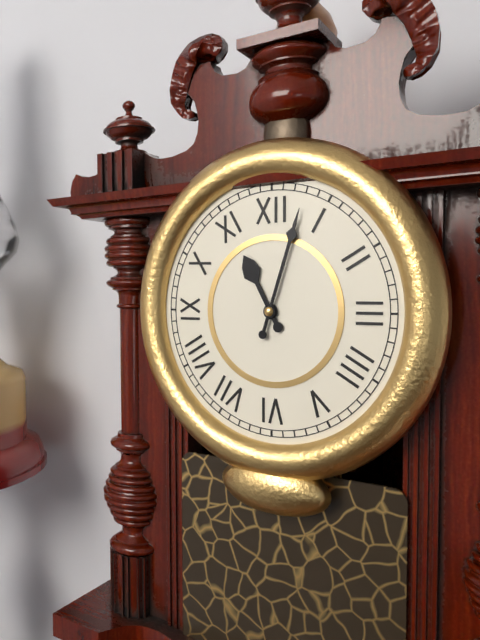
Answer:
11 h 03 min
